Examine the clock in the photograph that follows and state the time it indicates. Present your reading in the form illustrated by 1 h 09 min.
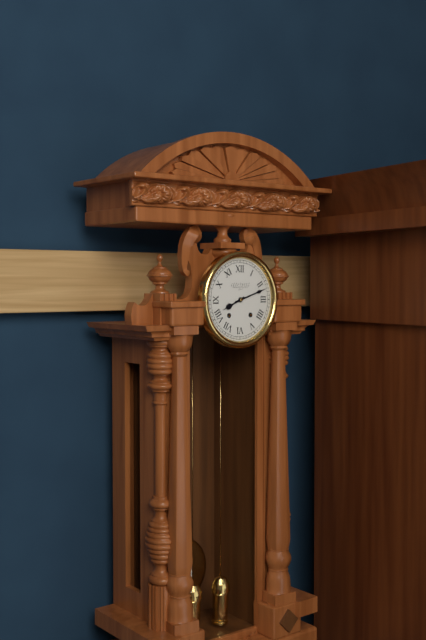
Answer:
8 h 12 min
